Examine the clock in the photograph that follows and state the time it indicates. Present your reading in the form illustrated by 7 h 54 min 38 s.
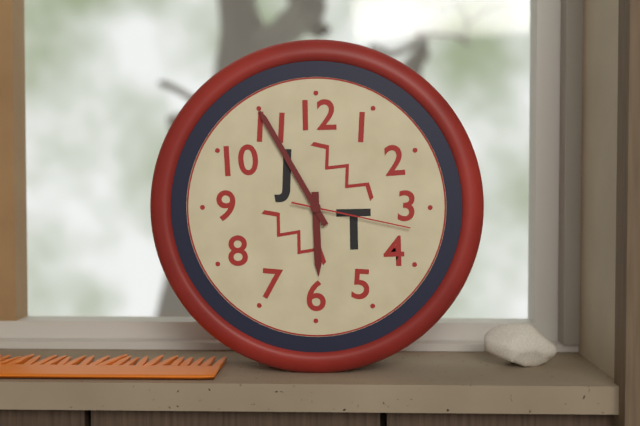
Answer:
5 h 55 min 17 s
